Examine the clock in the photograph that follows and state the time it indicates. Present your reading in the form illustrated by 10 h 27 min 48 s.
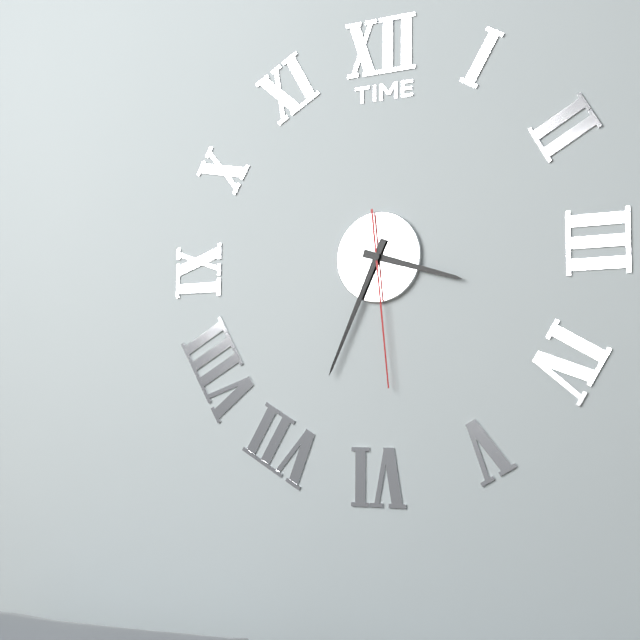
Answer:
3 h 34 min 29 s
